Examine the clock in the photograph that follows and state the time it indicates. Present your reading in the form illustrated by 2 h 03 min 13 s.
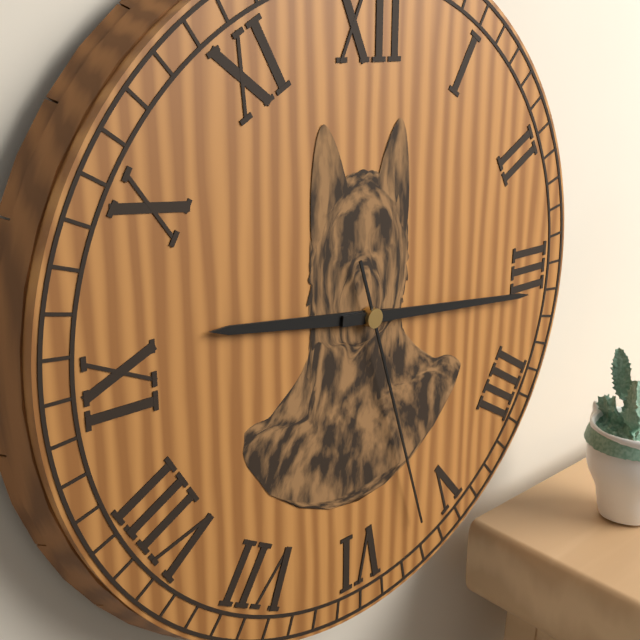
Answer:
9 h 16 min 27 s
